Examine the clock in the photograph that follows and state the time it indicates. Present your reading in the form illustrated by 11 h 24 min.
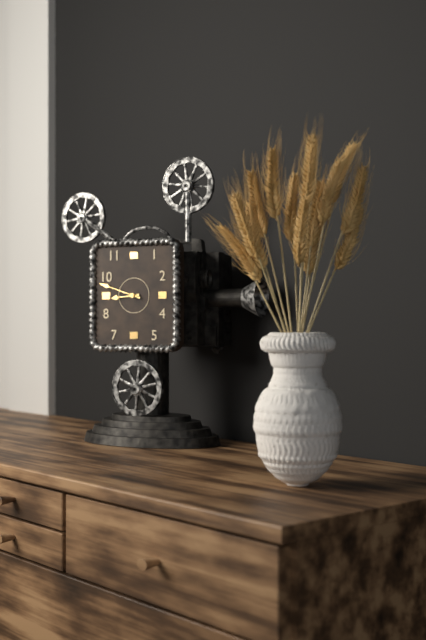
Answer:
8 h 48 min
